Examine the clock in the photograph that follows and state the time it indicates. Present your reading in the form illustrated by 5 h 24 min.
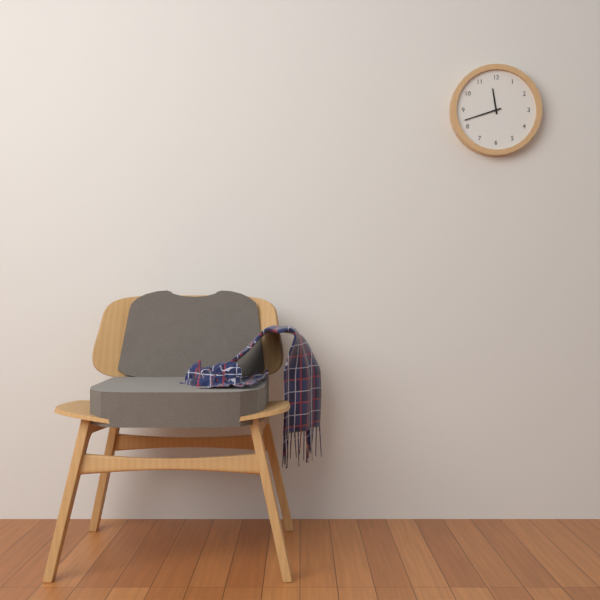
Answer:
11 h 42 min
